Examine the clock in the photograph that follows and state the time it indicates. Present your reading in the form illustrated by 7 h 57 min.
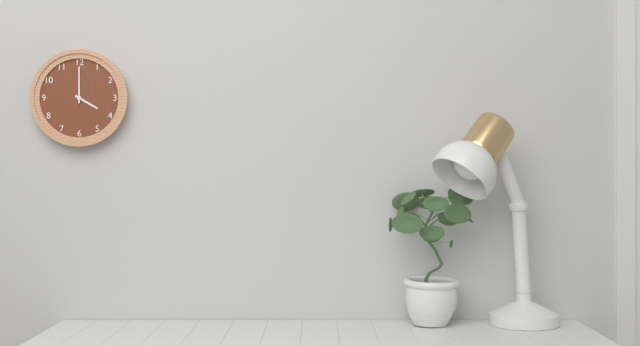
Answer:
4 h 00 min
